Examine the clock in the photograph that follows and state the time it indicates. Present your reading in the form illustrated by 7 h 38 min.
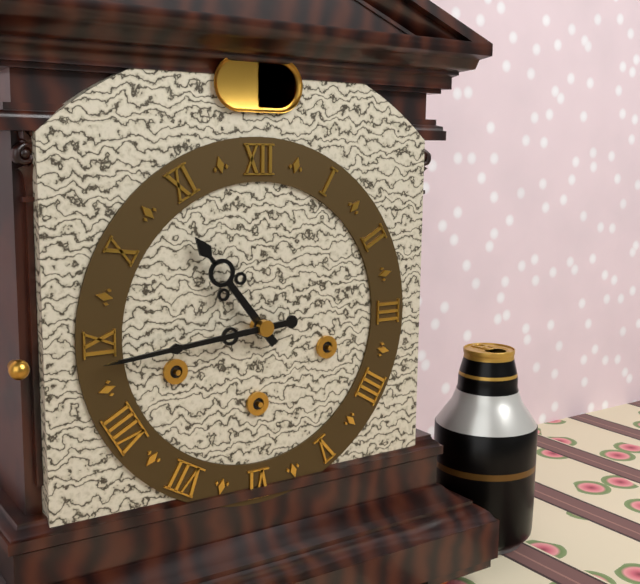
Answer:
10 h 44 min
